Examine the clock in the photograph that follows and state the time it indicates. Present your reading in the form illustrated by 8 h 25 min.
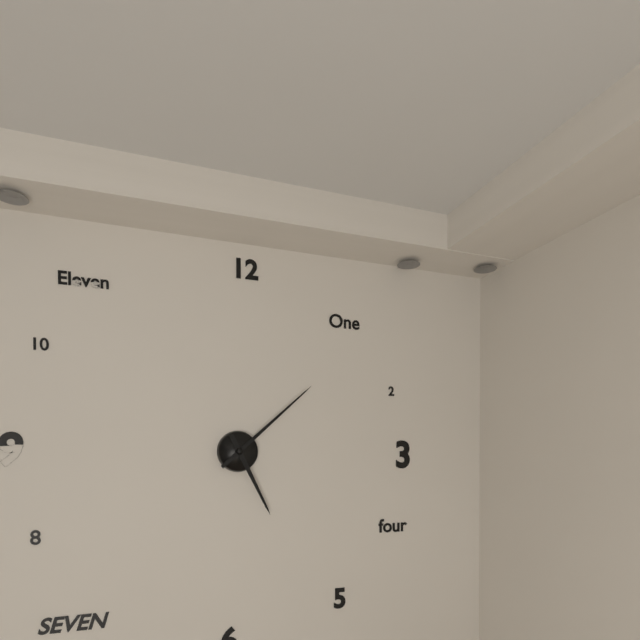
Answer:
5 h 08 min
